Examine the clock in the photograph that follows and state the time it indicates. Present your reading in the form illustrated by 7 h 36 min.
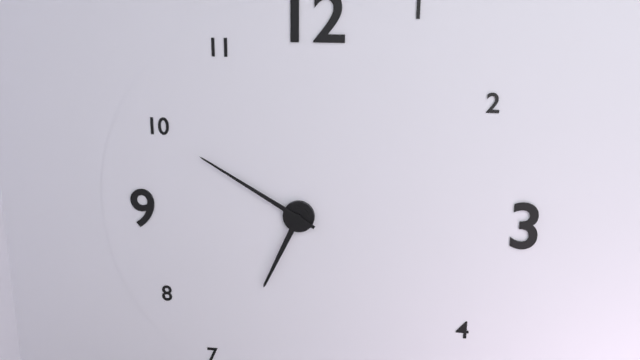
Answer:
6 h 50 min
